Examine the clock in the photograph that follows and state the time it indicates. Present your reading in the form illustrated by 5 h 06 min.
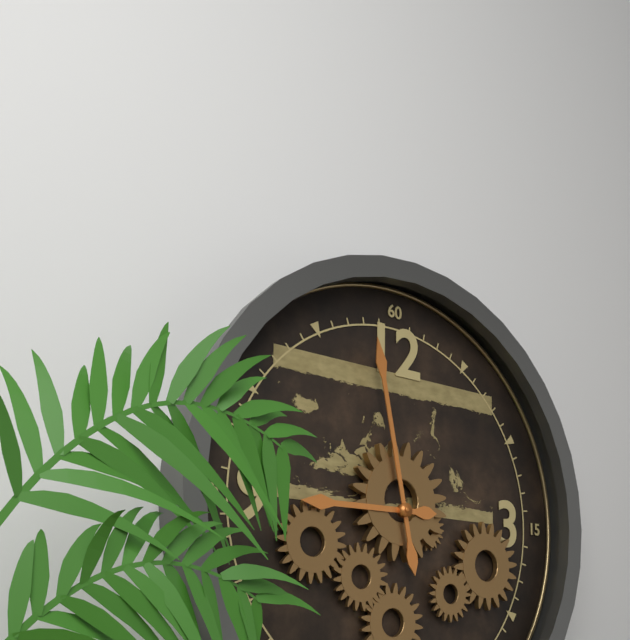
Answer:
8 h 58 min
